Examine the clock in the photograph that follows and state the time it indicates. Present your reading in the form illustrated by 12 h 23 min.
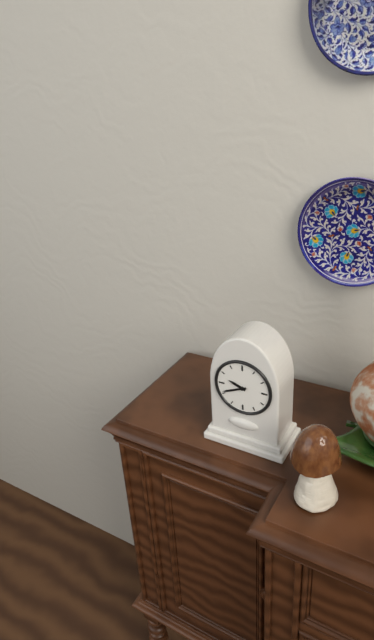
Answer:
9 h 41 min
